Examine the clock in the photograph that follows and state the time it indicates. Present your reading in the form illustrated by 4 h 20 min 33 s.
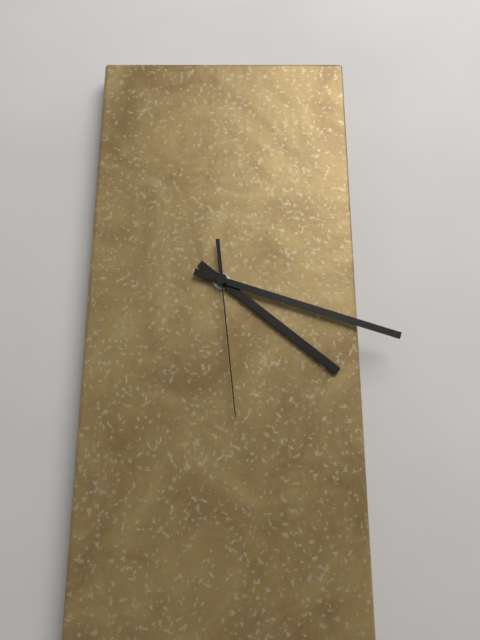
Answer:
4 h 18 min 29 s
